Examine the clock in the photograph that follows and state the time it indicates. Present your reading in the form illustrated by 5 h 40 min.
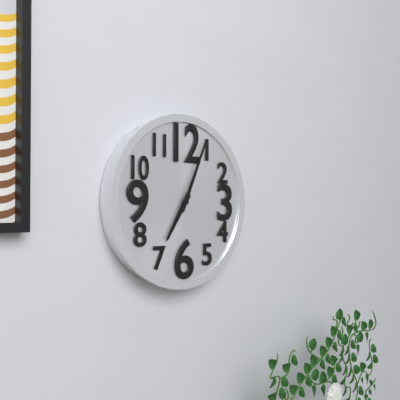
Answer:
7 h 04 min
